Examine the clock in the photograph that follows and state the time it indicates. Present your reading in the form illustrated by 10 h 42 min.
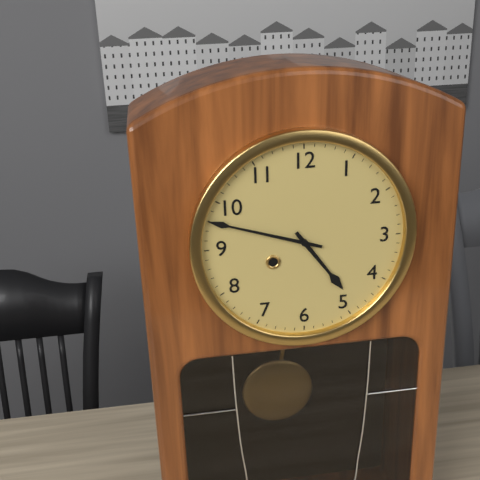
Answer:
4 h 48 min
